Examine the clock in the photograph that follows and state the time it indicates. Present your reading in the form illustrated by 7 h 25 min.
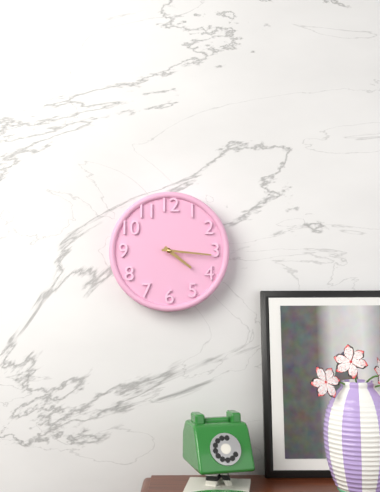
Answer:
4 h 16 min
